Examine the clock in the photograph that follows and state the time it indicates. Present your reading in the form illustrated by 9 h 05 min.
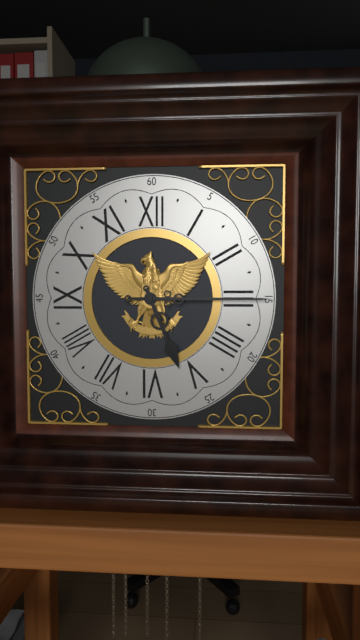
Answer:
5 h 15 min
